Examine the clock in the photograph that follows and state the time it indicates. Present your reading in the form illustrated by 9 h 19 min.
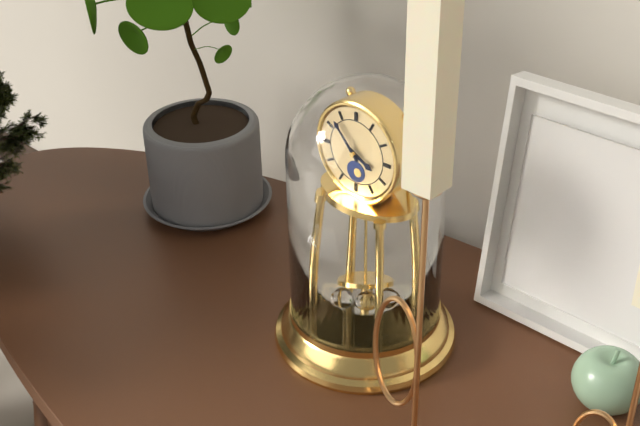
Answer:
3 h 53 min
